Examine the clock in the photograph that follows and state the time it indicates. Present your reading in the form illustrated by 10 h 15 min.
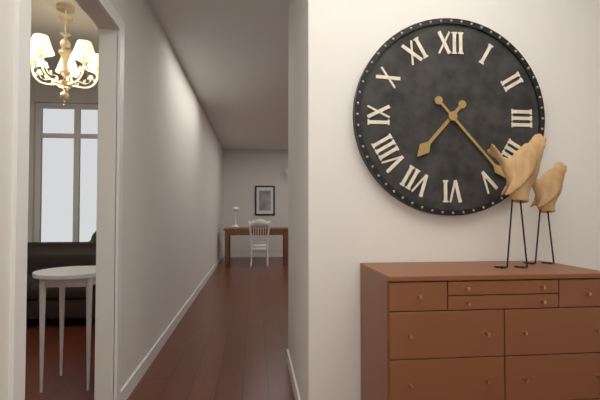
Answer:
7 h 23 min
